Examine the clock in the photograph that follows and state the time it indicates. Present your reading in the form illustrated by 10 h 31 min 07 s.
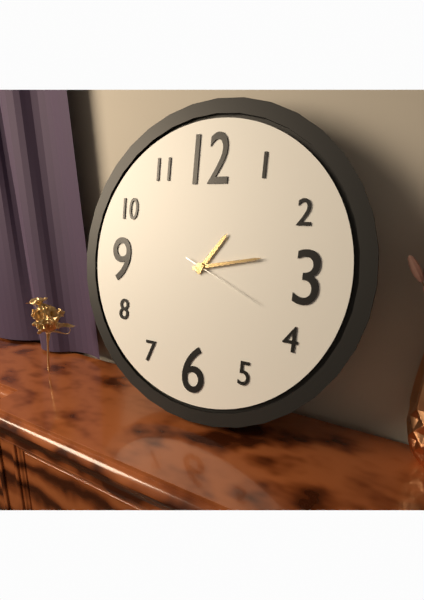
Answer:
1 h 13 min 19 s
